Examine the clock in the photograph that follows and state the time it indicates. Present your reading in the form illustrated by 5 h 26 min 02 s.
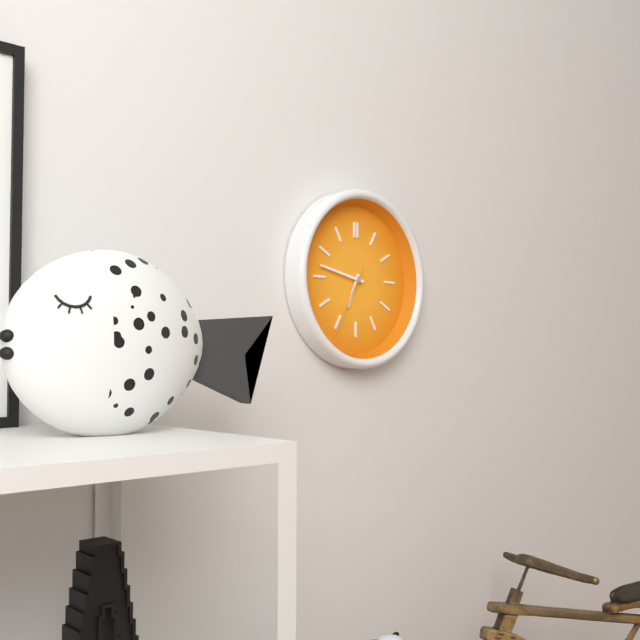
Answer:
6 h 47 min 35 s
